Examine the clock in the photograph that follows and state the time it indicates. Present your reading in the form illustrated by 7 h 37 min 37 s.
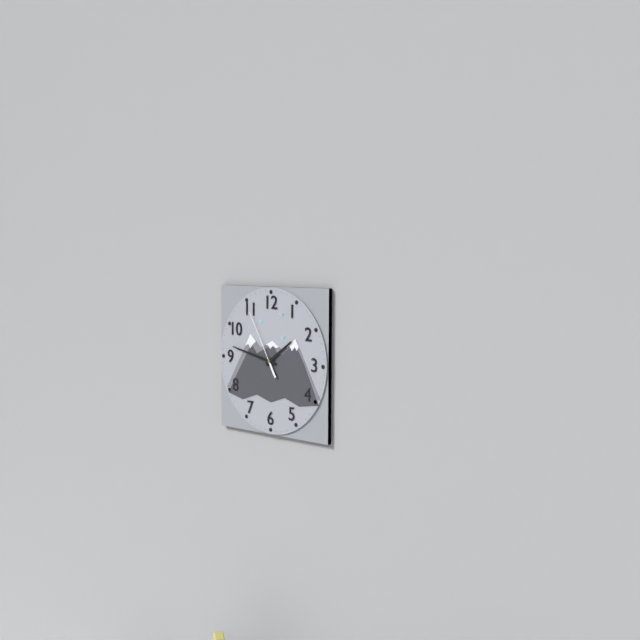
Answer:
1 h 47 min 55 s
